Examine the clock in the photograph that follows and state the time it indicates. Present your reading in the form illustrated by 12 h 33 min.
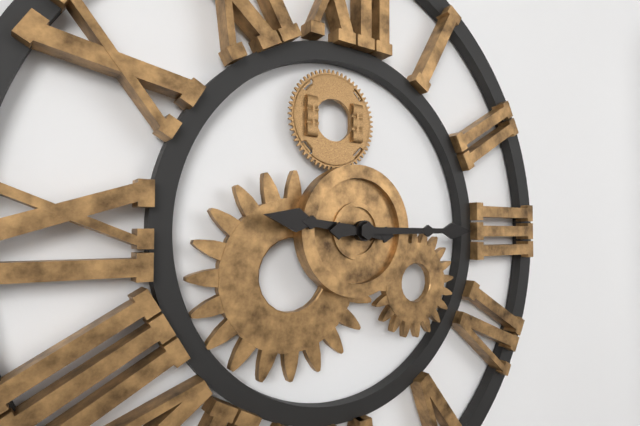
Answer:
9 h 15 min
